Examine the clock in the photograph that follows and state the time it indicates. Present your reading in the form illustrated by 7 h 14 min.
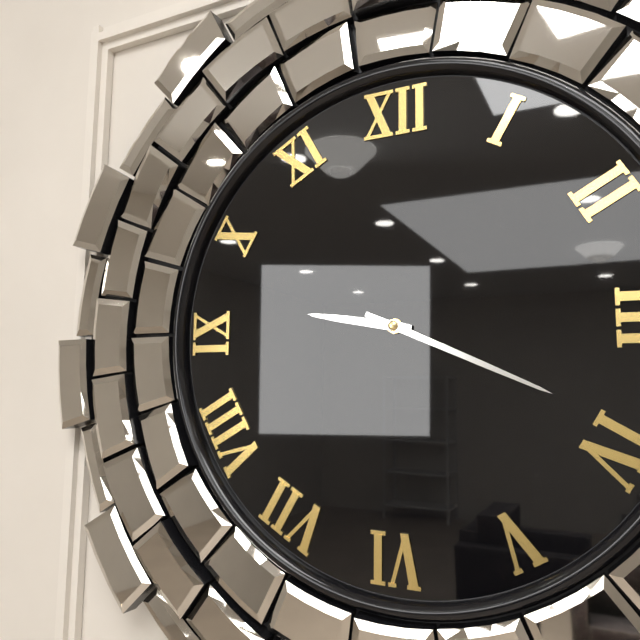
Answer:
9 h 19 min
